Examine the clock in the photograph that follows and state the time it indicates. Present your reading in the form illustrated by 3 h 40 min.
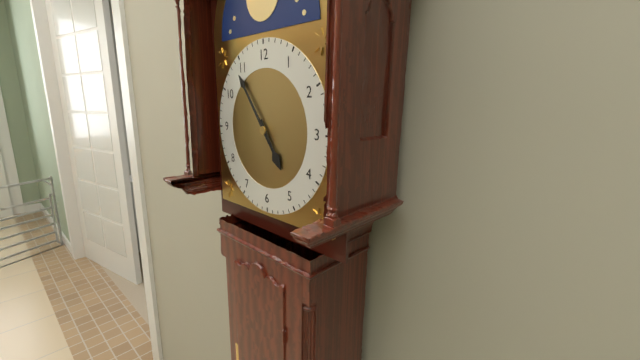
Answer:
4 h 54 min
